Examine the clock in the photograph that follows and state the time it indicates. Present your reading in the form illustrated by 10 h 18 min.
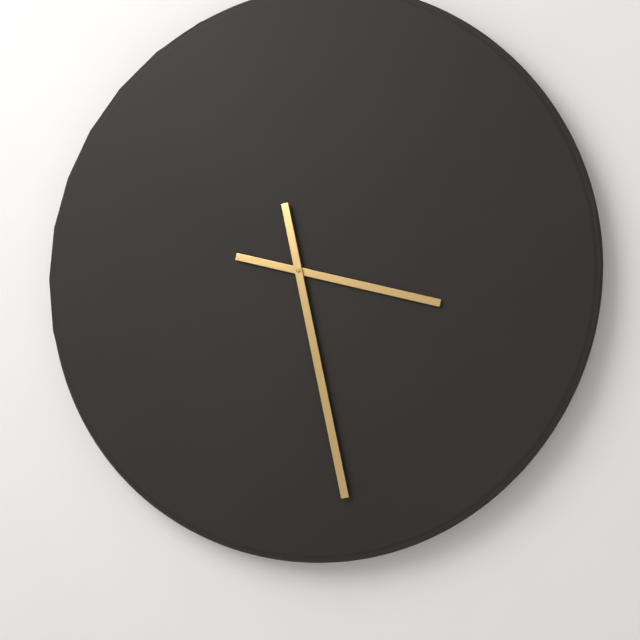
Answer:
3 h 28 min
